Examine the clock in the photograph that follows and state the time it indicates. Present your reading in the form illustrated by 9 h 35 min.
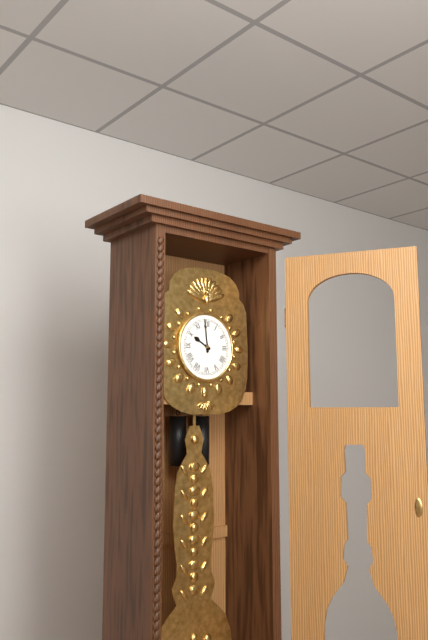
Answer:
9 h 59 min
